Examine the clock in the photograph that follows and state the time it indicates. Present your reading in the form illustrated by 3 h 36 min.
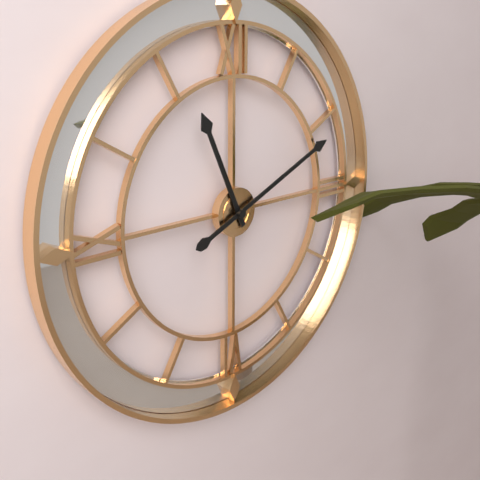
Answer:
11 h 11 min
